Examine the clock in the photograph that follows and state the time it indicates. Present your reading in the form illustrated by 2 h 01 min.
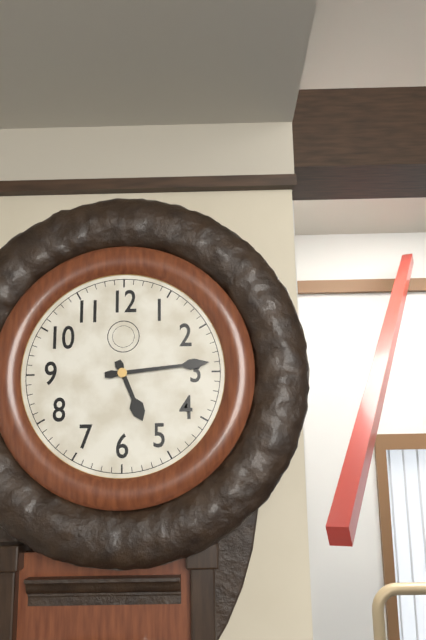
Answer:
5 h 14 min
